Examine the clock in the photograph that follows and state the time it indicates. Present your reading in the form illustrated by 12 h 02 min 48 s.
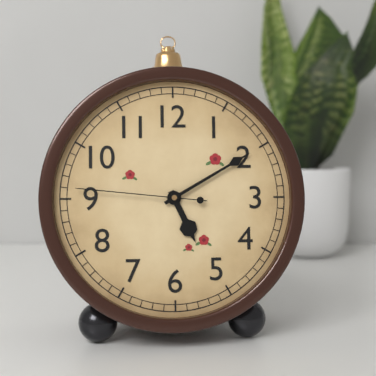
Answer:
5 h 10 min 46 s
